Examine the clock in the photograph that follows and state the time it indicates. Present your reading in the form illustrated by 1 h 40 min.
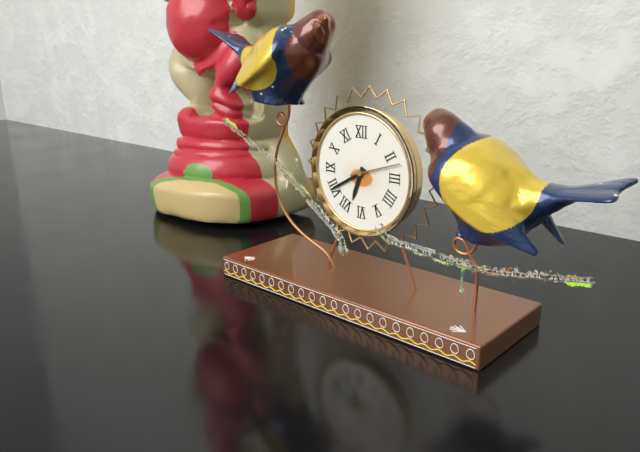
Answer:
6 h 40 min
